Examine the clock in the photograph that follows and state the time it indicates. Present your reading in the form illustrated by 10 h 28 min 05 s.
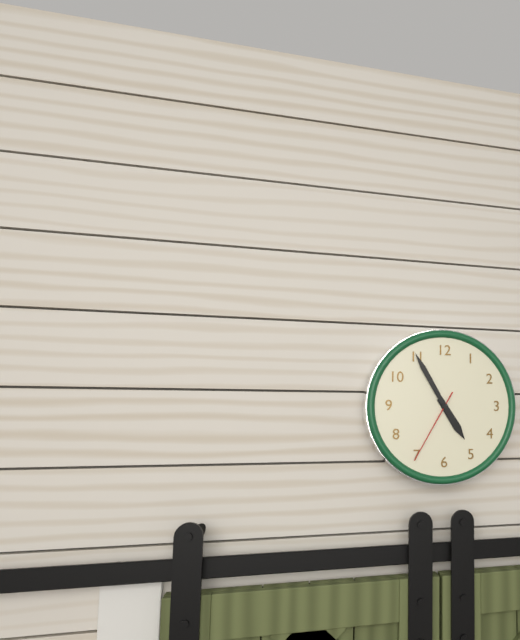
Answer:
4 h 55 min 35 s
